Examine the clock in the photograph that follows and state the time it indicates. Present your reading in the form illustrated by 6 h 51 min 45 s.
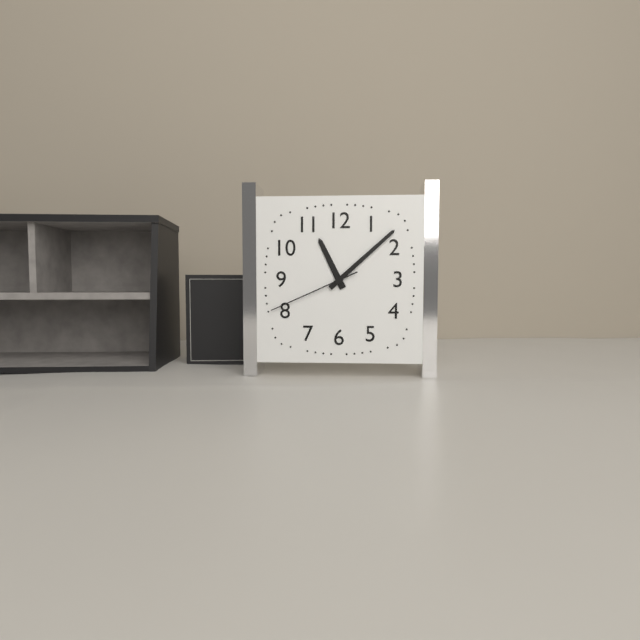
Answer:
11 h 08 min 41 s
